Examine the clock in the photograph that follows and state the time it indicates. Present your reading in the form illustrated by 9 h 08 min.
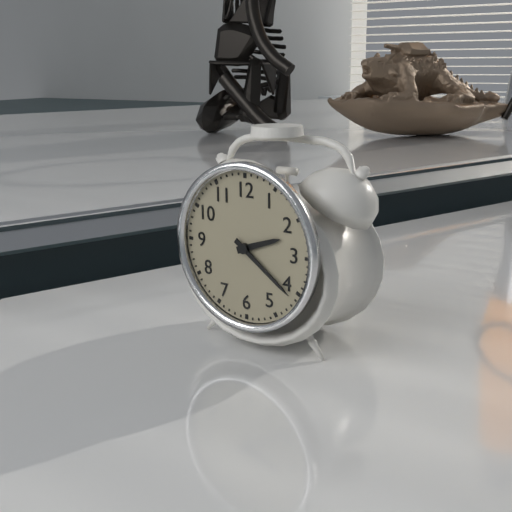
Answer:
2 h 21 min
